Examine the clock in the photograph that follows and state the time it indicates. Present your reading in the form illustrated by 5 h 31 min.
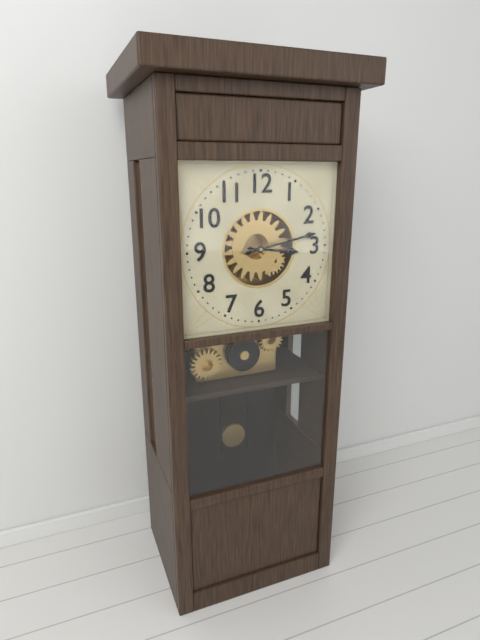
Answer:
3 h 13 min
